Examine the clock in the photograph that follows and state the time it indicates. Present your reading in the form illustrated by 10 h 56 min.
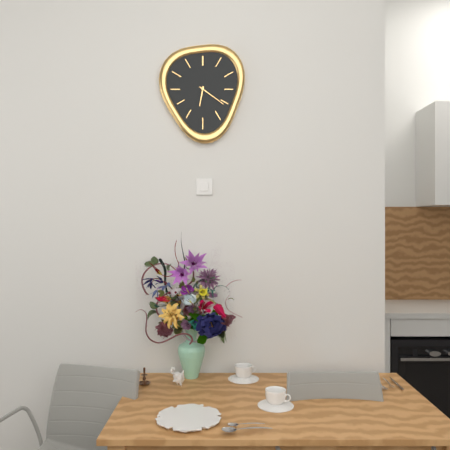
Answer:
6 h 21 min
